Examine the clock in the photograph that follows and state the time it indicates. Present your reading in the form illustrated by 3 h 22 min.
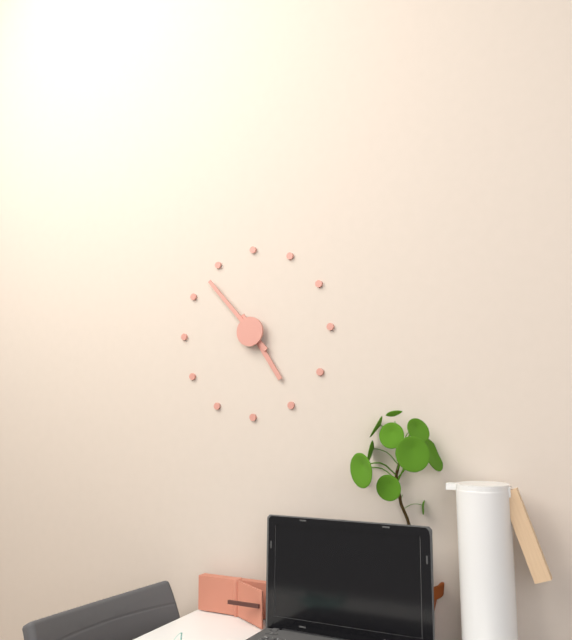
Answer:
4 h 53 min
